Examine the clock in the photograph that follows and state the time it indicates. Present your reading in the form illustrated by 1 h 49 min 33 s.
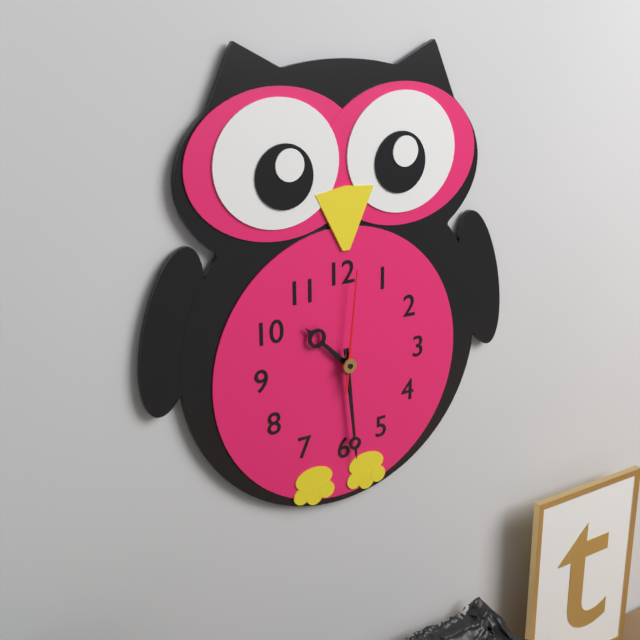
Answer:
10 h 29 min 01 s
